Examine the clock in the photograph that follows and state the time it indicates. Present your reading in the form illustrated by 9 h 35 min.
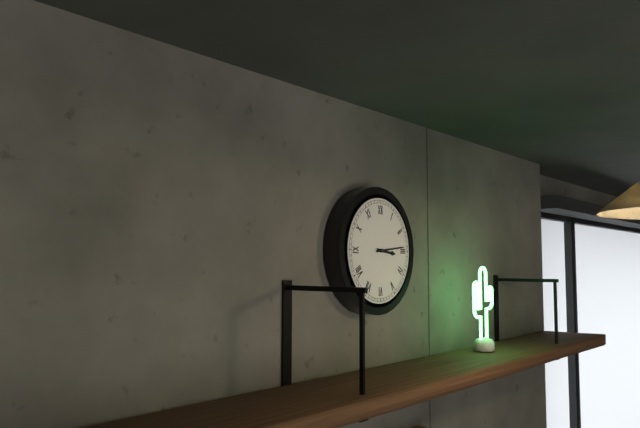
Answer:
3 h 14 min
